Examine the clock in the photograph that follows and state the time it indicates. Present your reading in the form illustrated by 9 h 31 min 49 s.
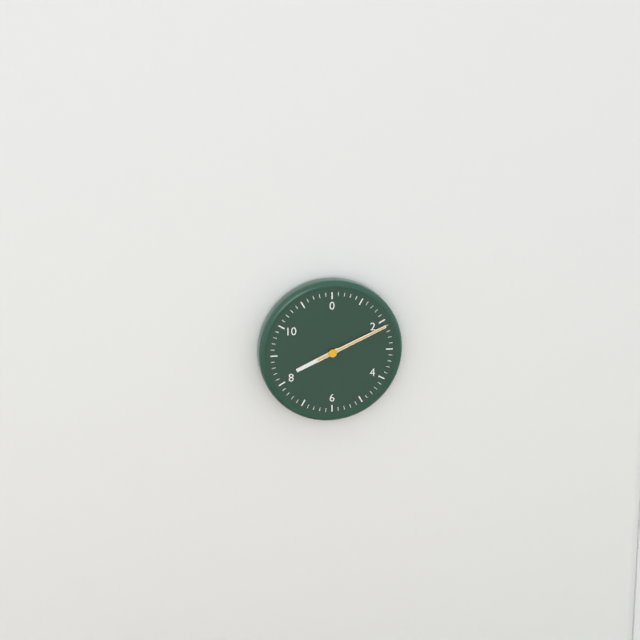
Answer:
8 h 11 min 11 s
